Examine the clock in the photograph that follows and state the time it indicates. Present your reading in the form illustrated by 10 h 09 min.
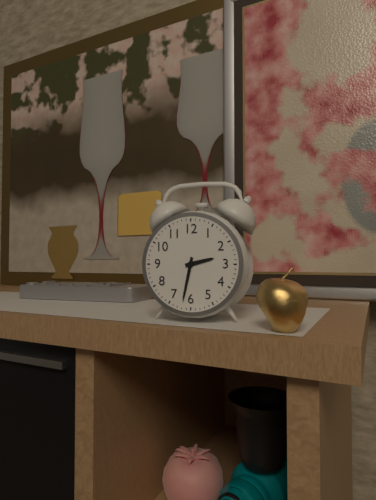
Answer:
2 h 32 min
